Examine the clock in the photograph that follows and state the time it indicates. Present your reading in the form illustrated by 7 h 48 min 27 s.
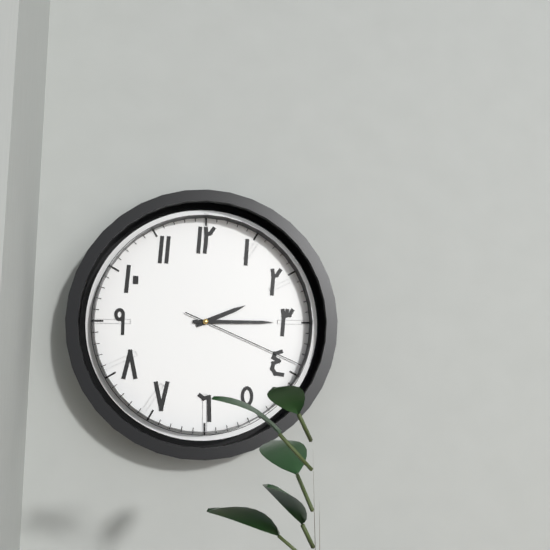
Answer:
2 h 15 min 19 s
